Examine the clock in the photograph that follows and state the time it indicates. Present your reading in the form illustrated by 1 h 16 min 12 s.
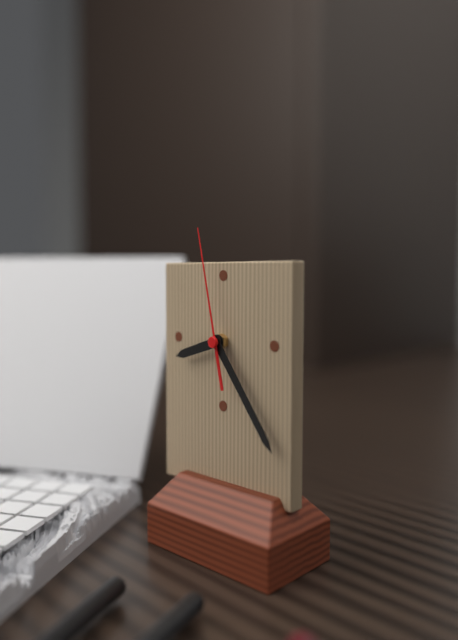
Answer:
8 h 24 min 58 s
